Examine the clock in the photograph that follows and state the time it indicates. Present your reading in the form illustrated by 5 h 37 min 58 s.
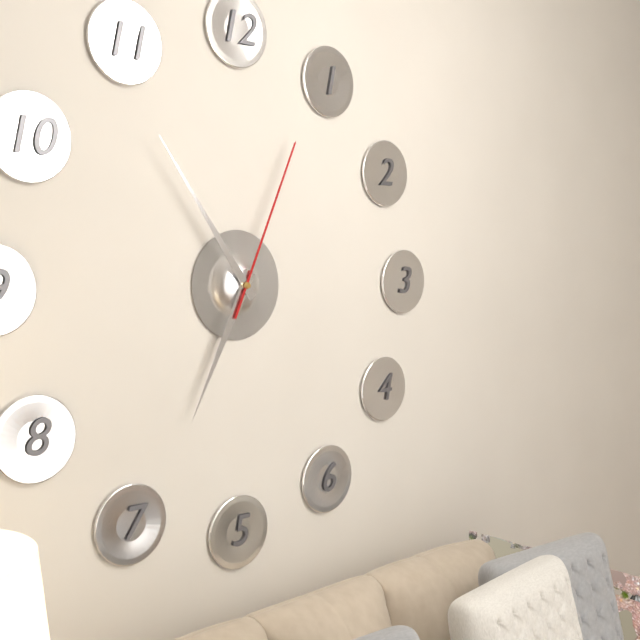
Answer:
6 h 54 min 04 s
